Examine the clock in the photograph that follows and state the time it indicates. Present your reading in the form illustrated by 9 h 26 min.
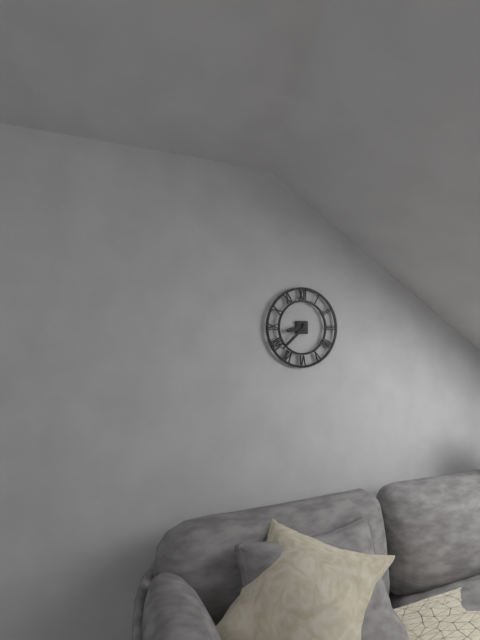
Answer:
8 h 38 min
